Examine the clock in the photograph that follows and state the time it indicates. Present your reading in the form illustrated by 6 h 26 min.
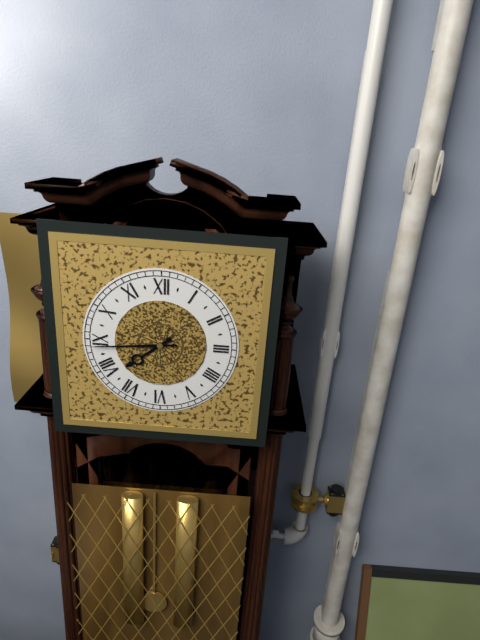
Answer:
7 h 44 min
